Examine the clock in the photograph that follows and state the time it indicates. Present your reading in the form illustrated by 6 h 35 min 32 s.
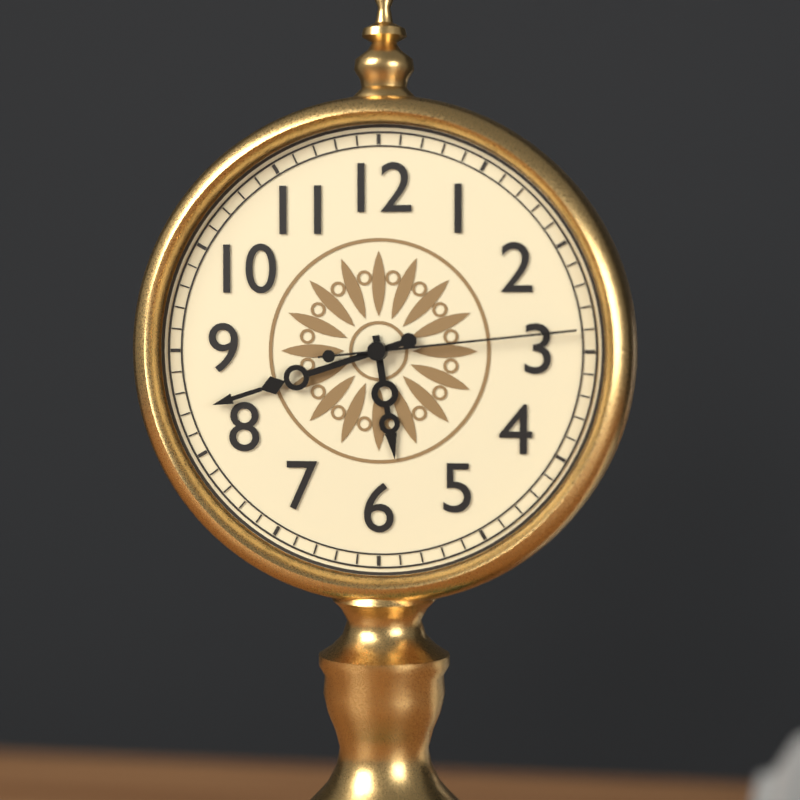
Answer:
5 h 42 min 14 s
